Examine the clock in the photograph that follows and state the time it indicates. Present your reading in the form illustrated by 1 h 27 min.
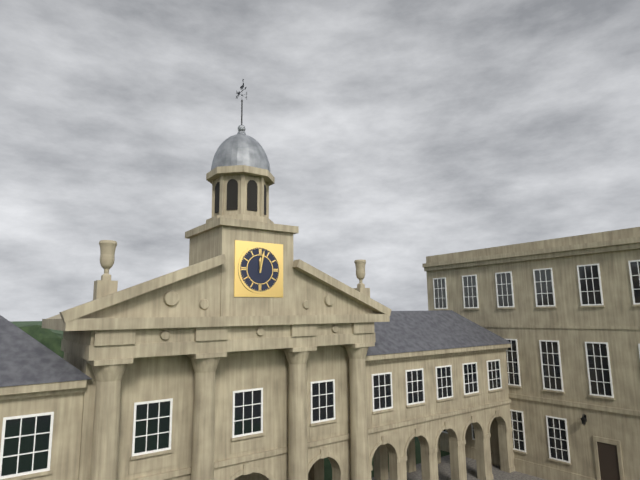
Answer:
12 h 02 min
